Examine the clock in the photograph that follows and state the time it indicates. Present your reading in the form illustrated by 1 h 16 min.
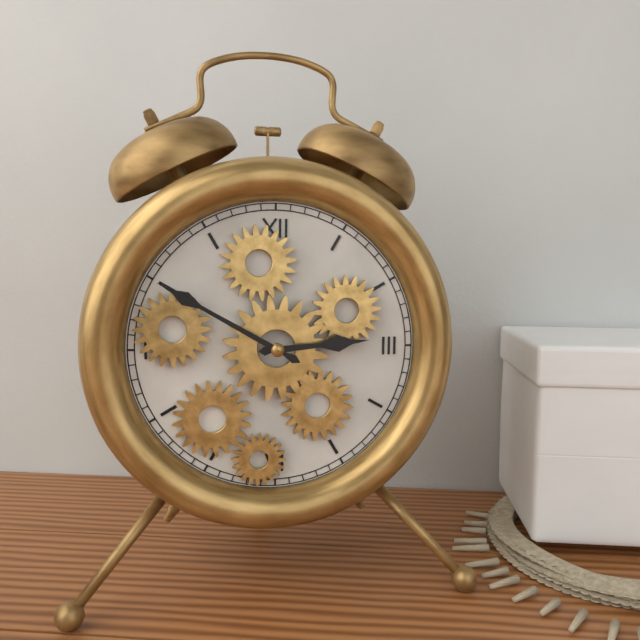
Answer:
2 h 50 min
